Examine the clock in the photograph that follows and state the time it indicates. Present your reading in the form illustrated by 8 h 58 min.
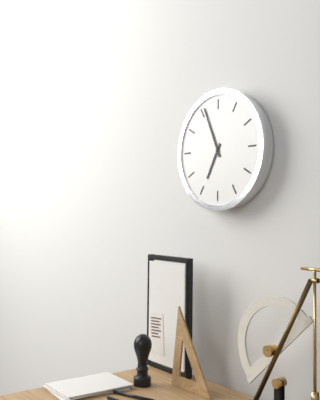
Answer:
6 h 56 min
